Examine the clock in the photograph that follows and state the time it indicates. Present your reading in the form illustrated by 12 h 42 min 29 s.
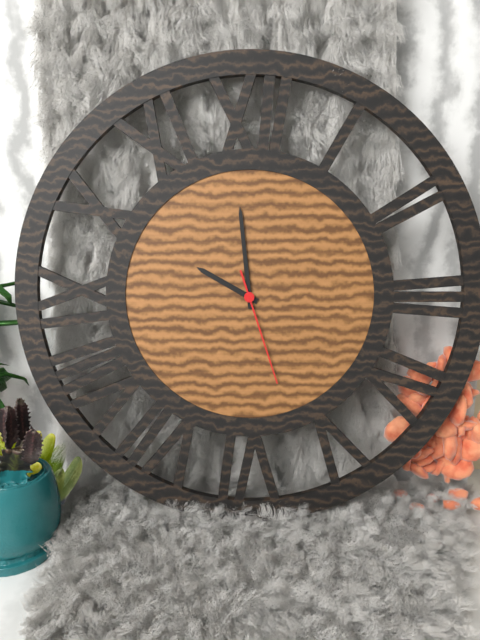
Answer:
9 h 59 min 27 s
